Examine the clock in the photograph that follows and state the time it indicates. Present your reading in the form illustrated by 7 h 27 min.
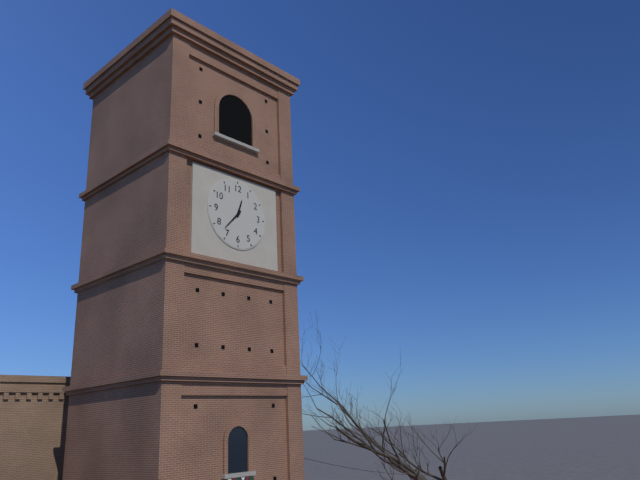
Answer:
12 h 37 min
